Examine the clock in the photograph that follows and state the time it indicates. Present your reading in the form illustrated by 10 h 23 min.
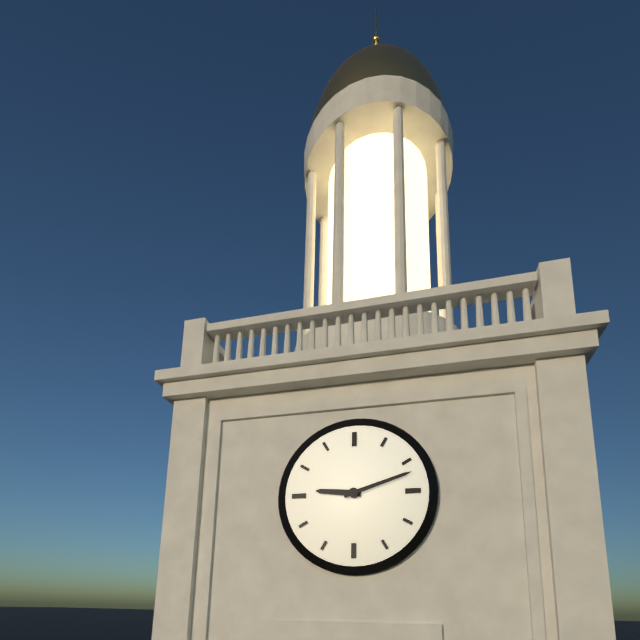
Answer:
9 h 12 min
